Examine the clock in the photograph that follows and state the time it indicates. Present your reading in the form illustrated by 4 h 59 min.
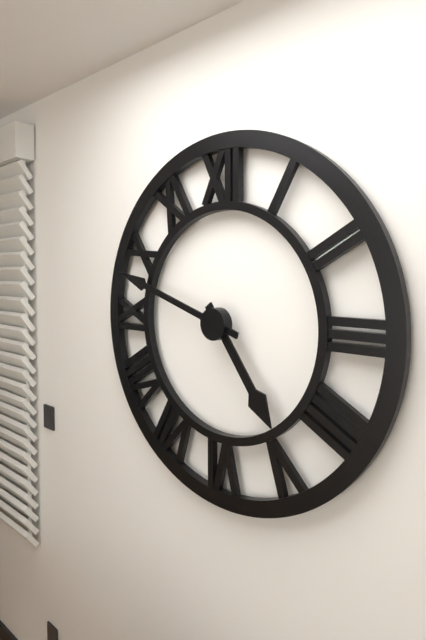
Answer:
4 h 48 min
